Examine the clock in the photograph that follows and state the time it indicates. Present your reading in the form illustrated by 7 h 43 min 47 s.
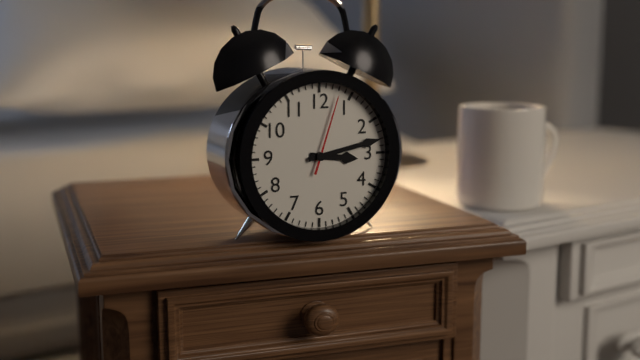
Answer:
3 h 13 min 03 s
